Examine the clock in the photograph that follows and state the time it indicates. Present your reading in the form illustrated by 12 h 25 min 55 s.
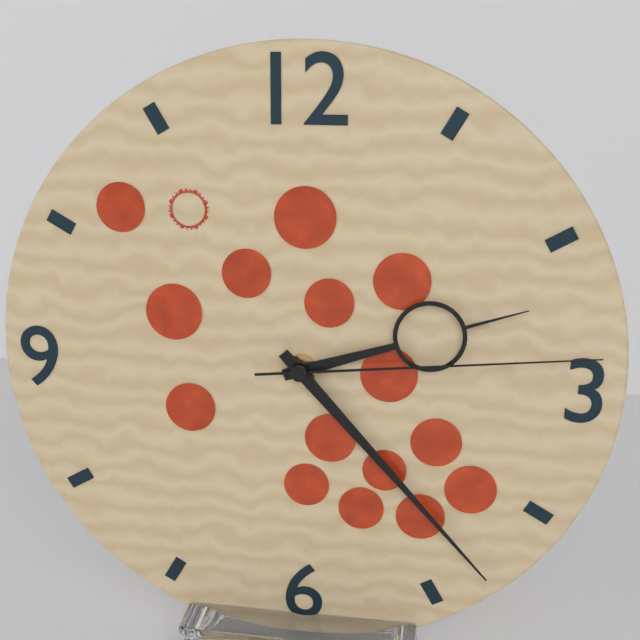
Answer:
2 h 23 min 14 s
